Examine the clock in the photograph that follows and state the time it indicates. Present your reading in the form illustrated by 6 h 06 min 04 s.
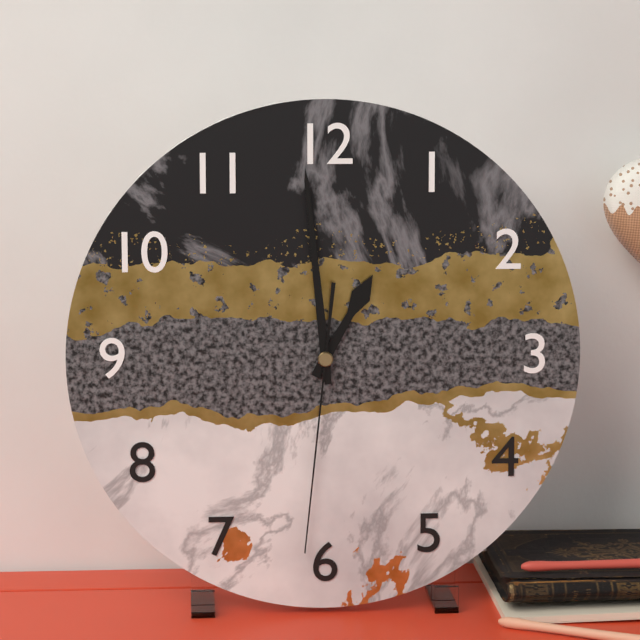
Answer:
12 h 59 min 31 s
